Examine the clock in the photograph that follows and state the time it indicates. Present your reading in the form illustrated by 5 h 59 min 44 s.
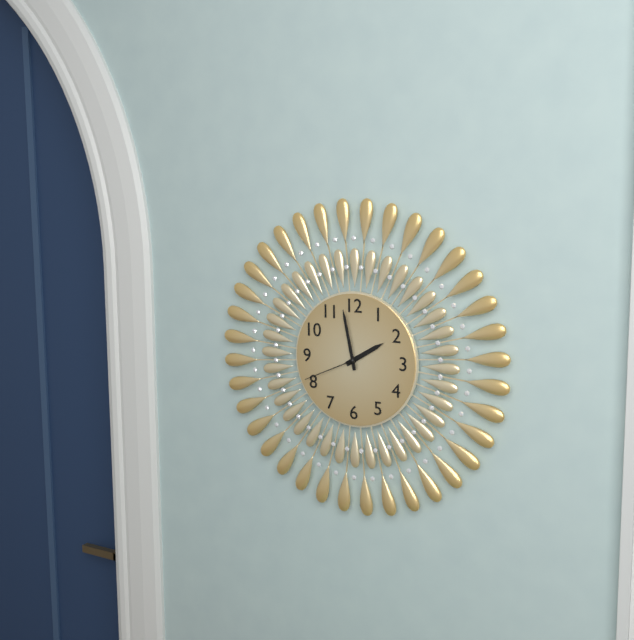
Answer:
1 h 58 min 41 s
